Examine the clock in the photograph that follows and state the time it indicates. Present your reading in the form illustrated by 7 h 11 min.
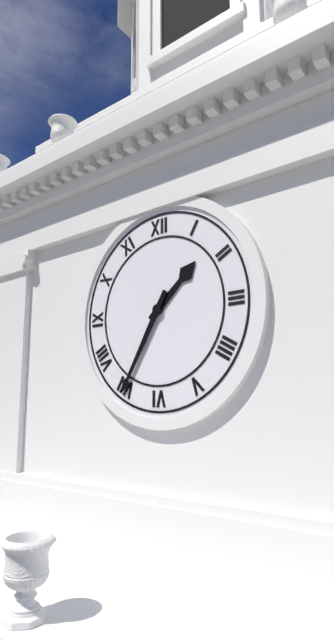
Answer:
1 h 35 min
